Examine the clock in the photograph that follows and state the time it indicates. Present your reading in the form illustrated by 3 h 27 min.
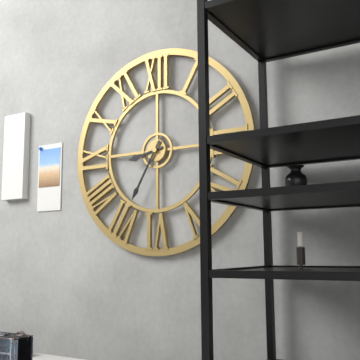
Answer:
8 h 35 min
